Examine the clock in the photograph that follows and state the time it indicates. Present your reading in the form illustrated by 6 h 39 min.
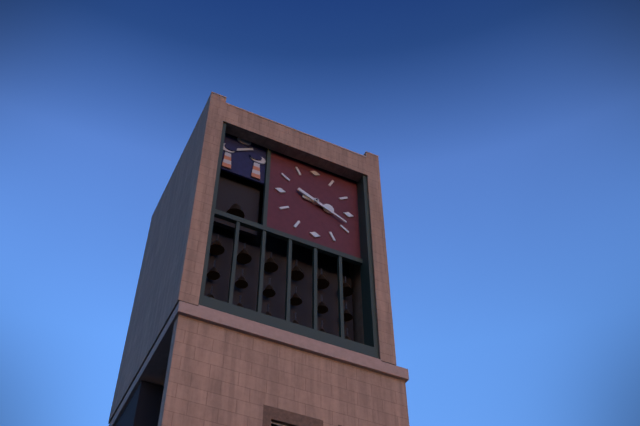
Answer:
3 h 19 min
